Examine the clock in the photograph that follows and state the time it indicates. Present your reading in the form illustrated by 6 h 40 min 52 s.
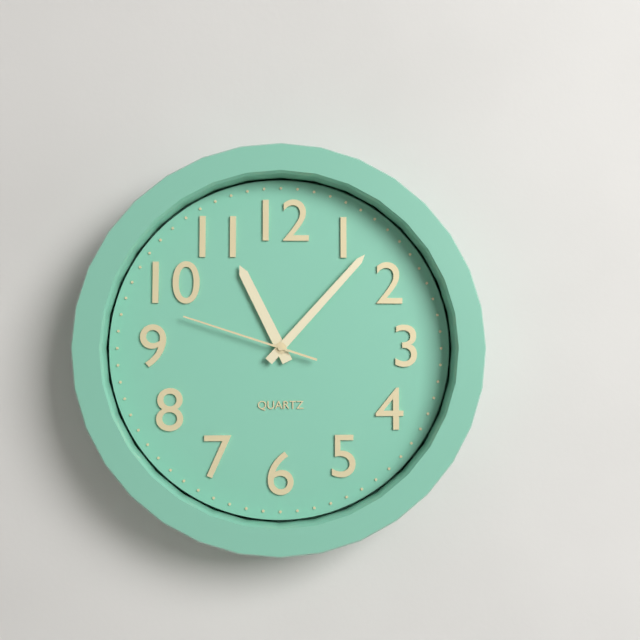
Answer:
11 h 07 min 48 s
